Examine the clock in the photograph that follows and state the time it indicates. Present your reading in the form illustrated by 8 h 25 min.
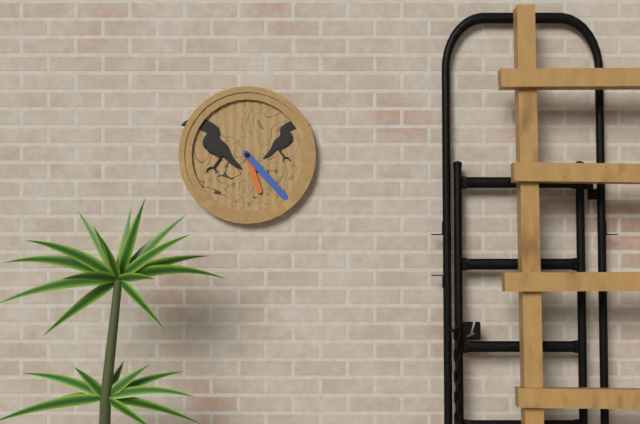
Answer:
5 h 23 min
